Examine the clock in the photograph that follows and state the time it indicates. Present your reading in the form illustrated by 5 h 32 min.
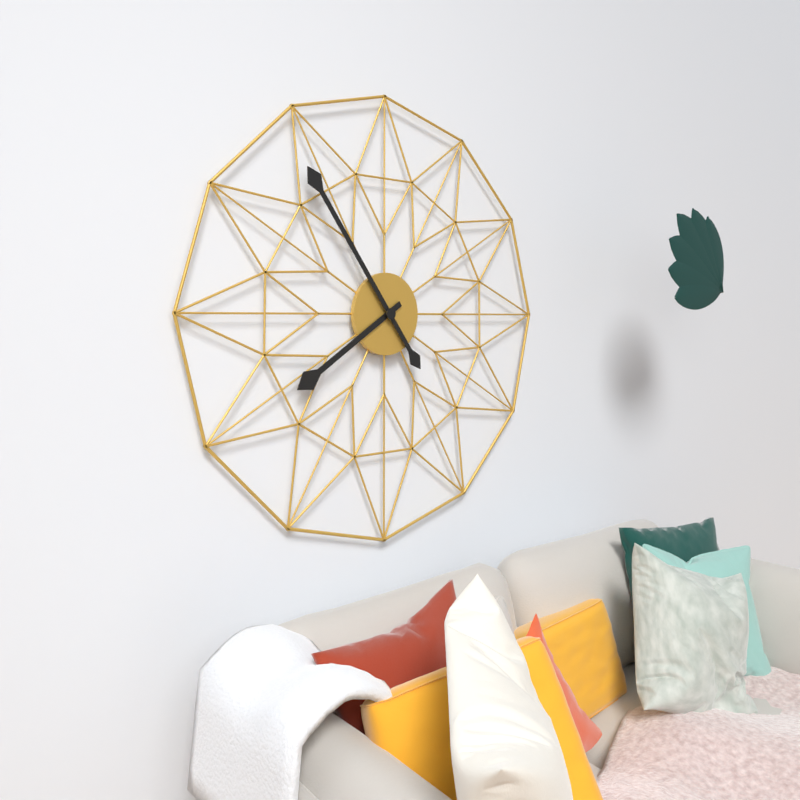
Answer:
7 h 54 min
